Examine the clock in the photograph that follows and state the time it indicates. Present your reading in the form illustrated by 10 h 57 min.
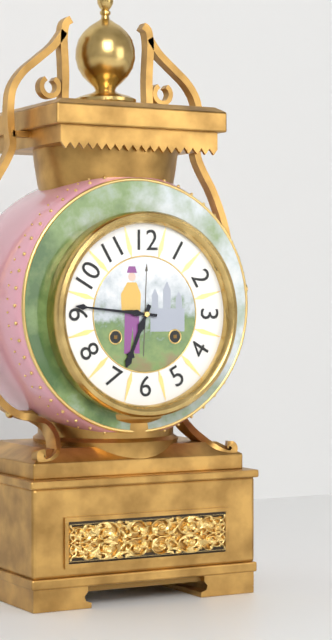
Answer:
6 h 46 min
